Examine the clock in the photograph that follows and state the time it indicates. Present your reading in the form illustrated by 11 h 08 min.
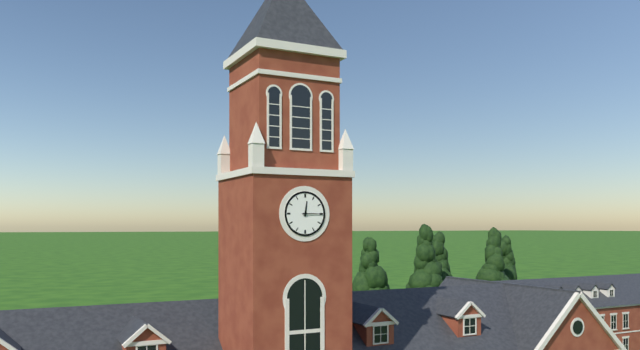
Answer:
12 h 15 min
